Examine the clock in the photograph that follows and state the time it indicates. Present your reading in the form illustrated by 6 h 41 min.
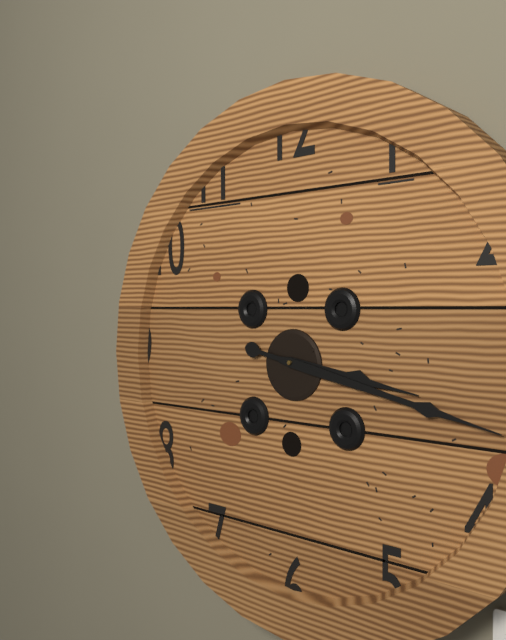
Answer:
3 h 17 min
